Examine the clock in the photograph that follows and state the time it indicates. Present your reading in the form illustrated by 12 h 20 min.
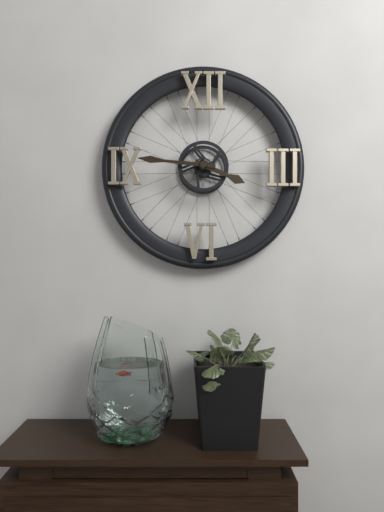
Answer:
3 h 46 min
